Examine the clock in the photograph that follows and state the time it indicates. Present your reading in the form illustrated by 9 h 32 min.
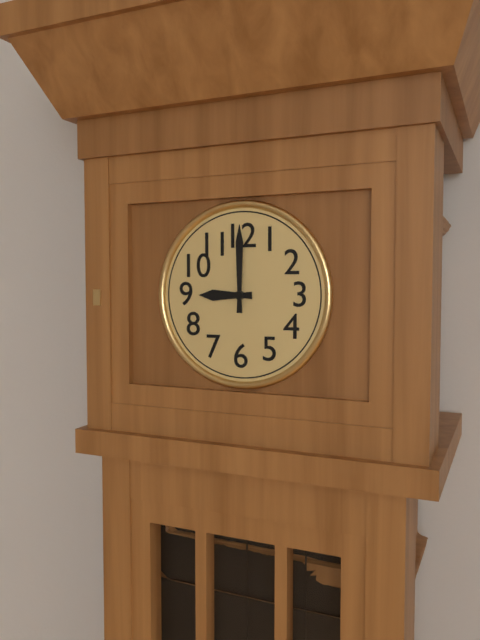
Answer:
9 h 00 min
